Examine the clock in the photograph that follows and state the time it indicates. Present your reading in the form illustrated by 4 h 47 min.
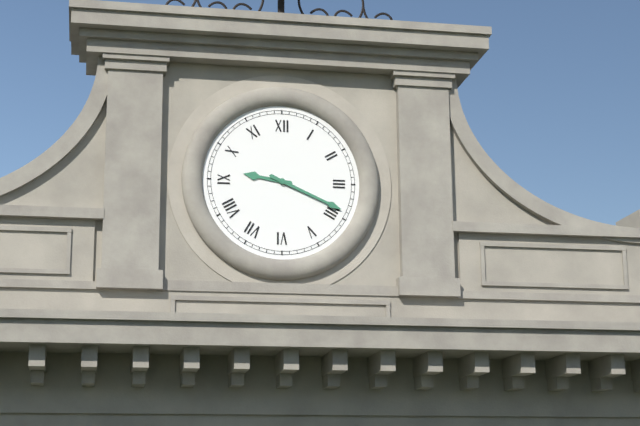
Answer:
9 h 19 min
